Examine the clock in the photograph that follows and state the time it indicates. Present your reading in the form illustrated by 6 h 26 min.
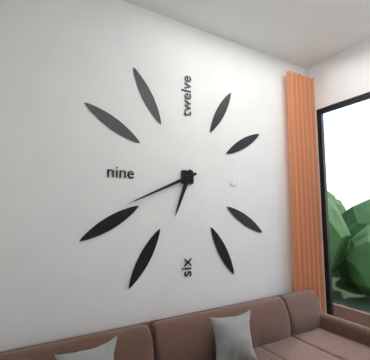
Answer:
6 h 41 min
